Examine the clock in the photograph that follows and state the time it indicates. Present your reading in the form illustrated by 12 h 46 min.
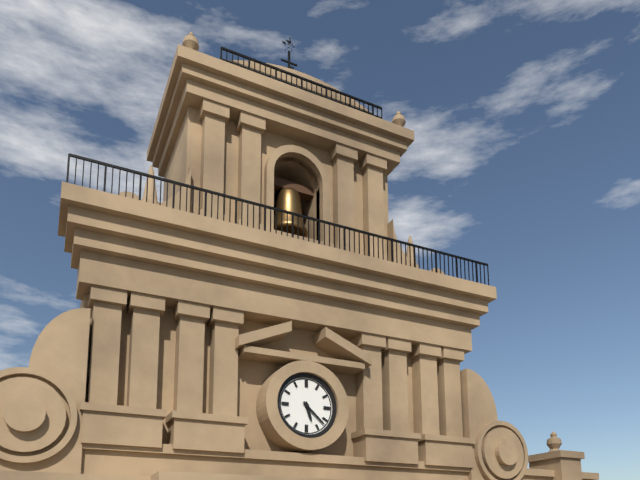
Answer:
5 h 22 min
